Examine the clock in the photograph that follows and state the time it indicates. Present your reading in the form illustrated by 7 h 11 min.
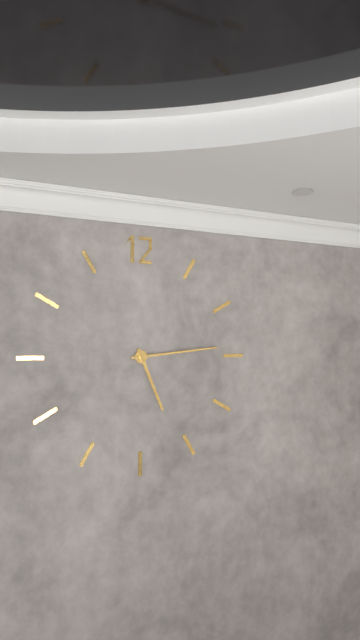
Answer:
5 h 14 min
